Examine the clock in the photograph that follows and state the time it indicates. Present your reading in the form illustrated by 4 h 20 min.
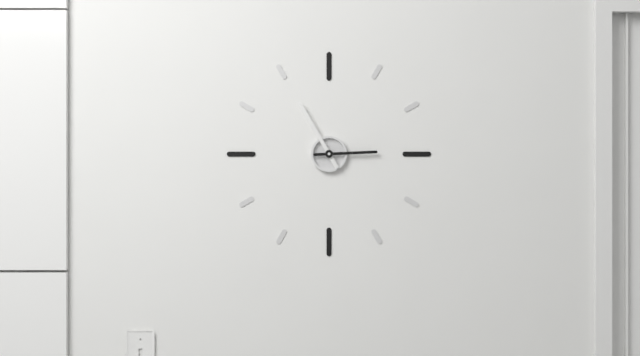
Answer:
2 h 55 min
